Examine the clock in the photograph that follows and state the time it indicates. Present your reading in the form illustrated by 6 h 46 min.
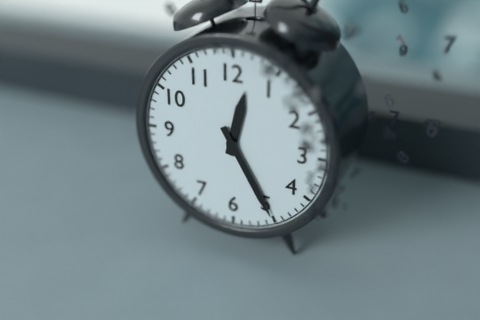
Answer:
12 h 25 min
